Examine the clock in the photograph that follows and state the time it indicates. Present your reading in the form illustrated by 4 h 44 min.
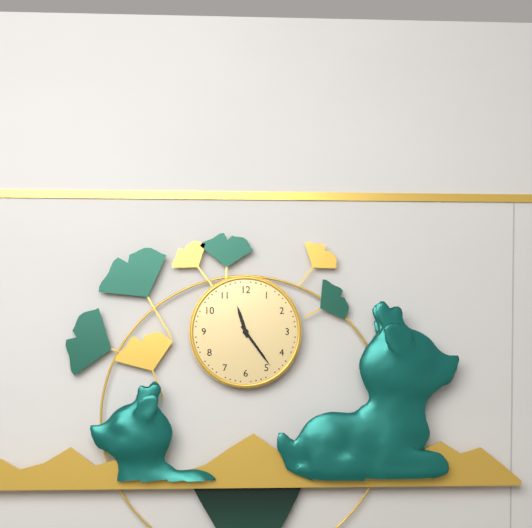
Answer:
11 h 24 min
